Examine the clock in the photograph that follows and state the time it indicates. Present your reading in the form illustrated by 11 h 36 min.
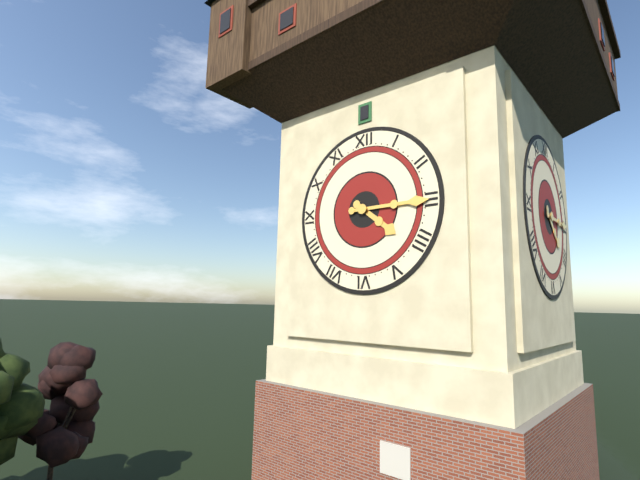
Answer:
4 h 15 min
